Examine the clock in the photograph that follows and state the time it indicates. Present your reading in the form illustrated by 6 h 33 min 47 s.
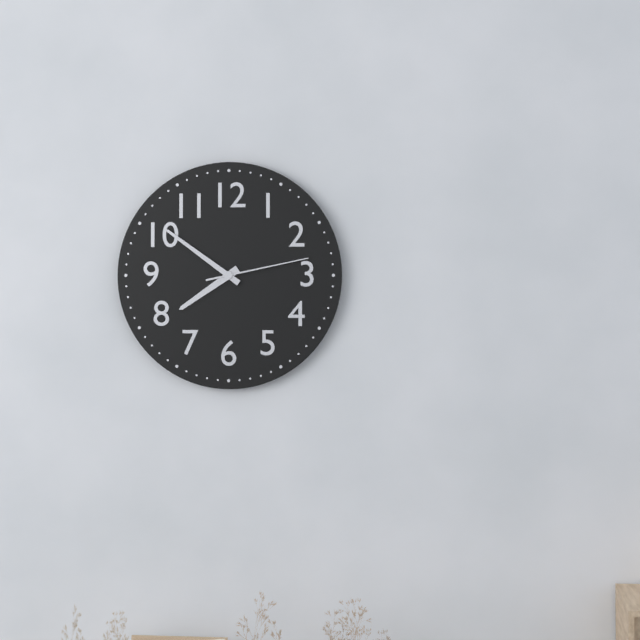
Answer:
7 h 51 min 13 s
